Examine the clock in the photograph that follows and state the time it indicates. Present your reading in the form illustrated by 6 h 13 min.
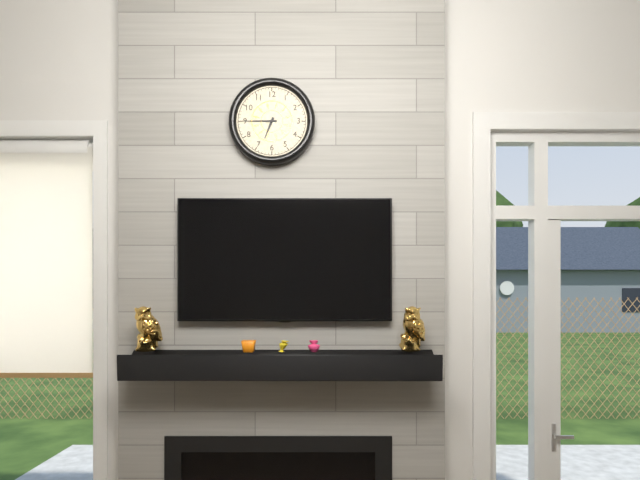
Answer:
6 h 45 min
